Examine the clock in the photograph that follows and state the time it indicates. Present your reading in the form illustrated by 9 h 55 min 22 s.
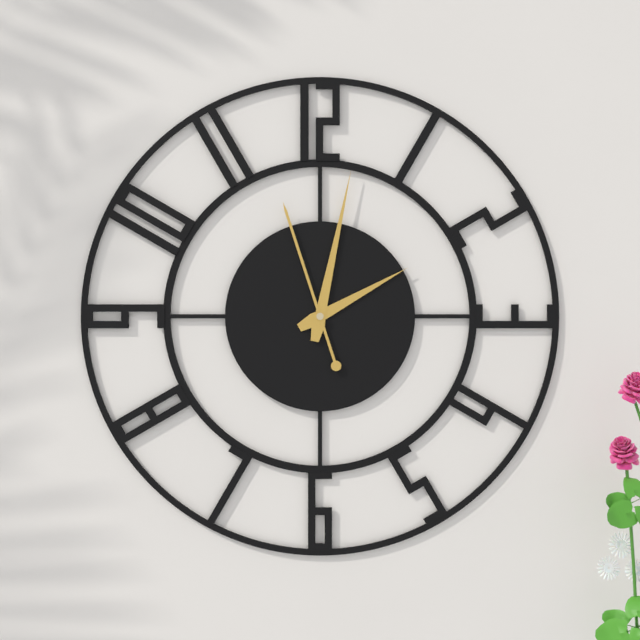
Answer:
2 h 02 min 57 s
